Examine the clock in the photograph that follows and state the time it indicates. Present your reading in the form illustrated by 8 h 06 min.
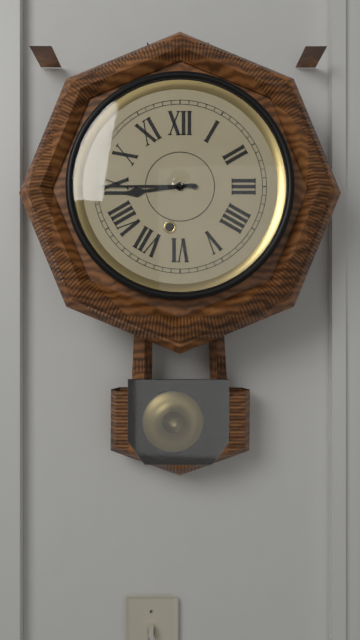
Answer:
8 h 45 min
